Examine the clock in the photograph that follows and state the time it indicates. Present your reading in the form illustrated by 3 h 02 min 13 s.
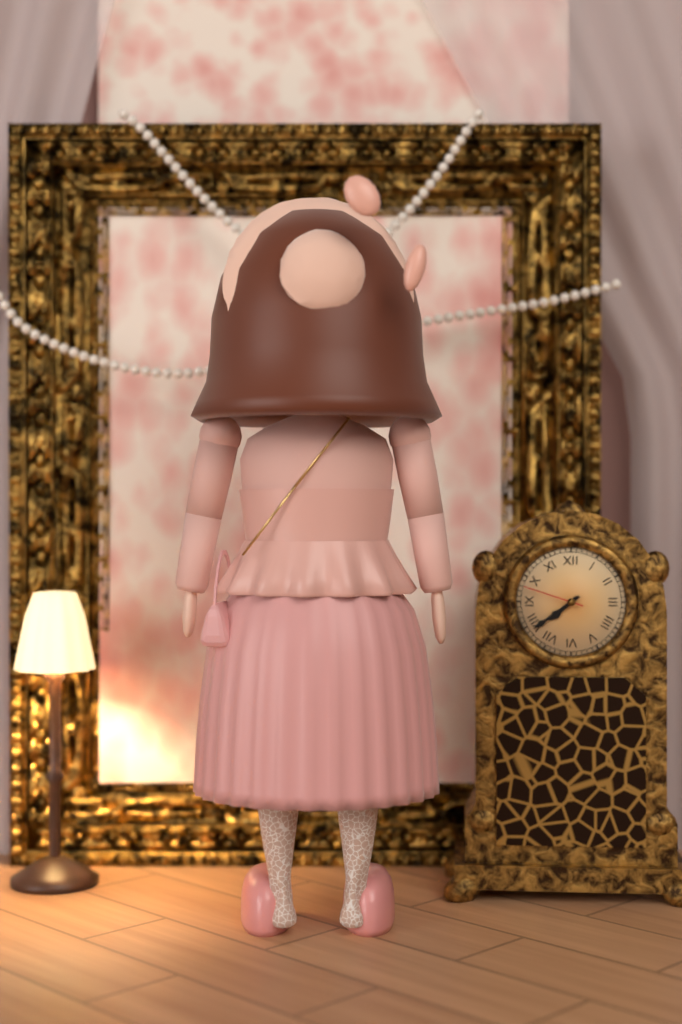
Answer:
7 h 39 min 48 s
